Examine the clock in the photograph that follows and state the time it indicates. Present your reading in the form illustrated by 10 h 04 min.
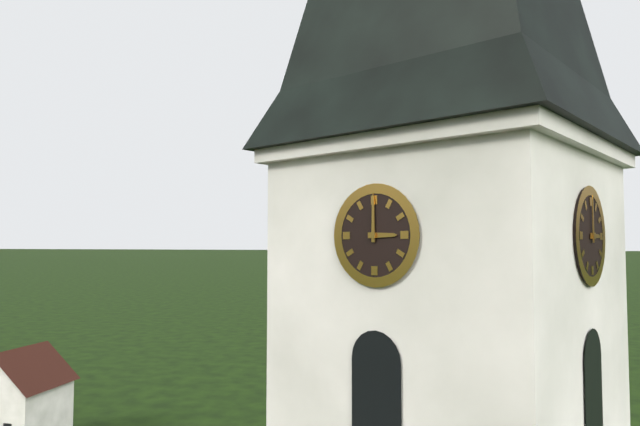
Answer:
3 h 00 min
